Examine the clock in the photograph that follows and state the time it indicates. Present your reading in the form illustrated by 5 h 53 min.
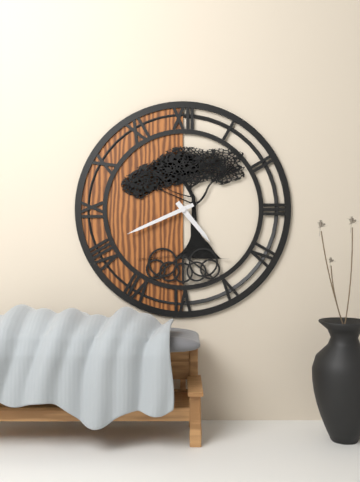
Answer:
4 h 41 min
